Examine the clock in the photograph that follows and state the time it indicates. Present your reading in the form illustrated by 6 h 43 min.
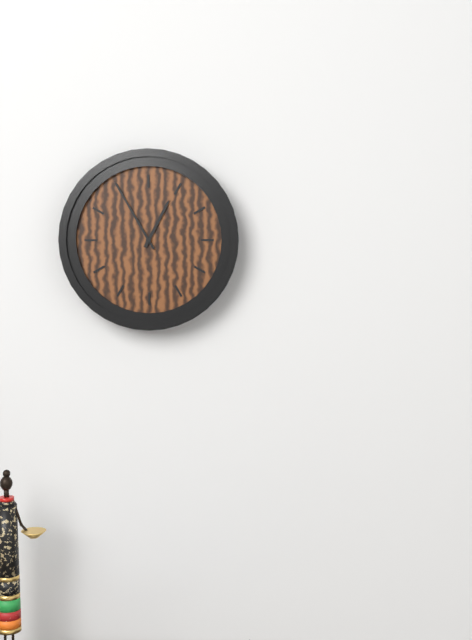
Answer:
12 h 55 min
